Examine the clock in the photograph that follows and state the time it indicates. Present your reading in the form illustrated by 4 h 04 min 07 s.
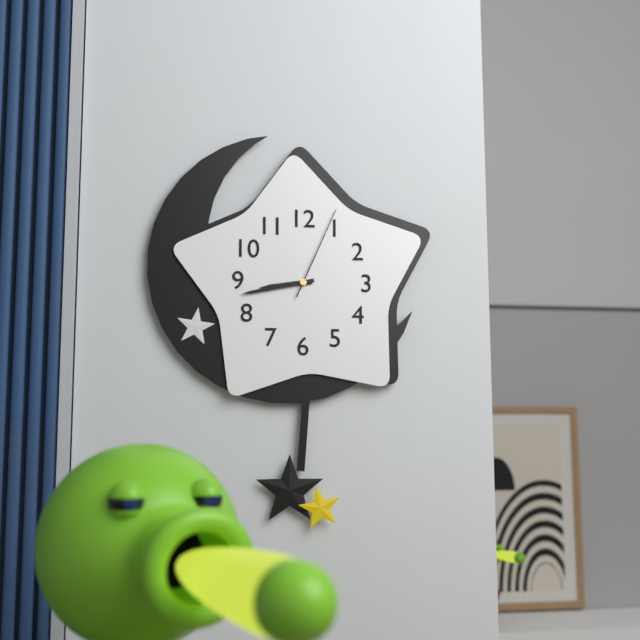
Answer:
8 h 43 min 04 s
